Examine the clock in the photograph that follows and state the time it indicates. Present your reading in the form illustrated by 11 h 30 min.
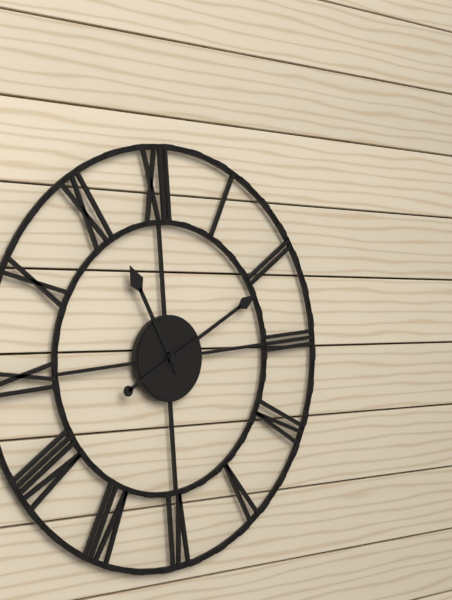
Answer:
11 h 11 min
